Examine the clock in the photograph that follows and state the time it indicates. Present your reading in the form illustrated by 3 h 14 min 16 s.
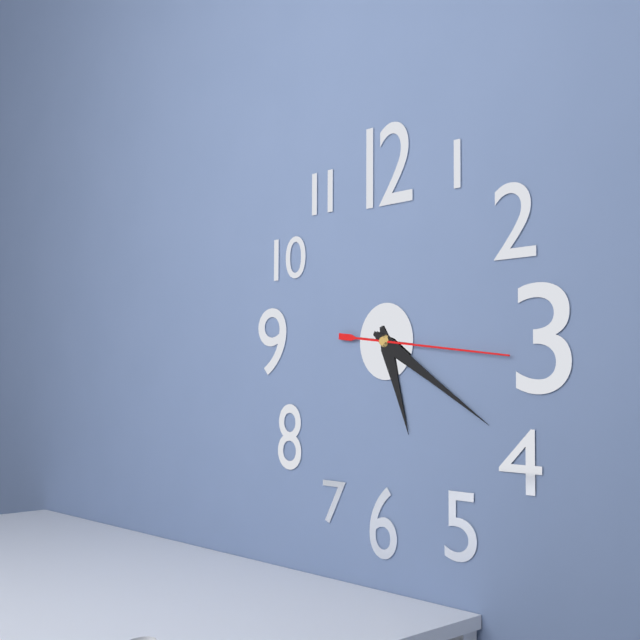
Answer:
5 h 20 min 16 s
